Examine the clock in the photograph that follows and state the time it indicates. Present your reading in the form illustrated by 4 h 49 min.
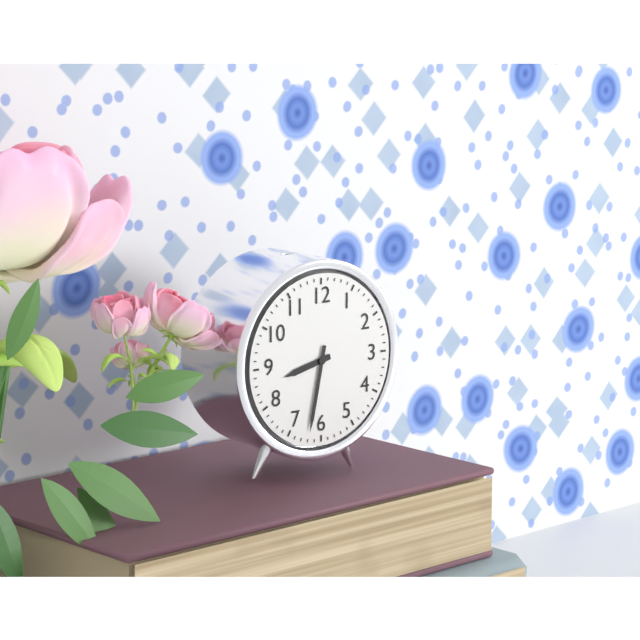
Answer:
8 h 32 min
